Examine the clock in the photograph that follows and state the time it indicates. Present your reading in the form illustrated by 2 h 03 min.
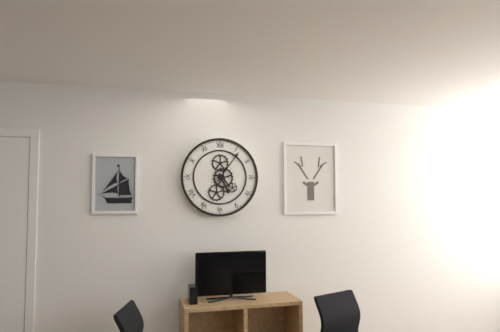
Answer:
5 h 06 min
